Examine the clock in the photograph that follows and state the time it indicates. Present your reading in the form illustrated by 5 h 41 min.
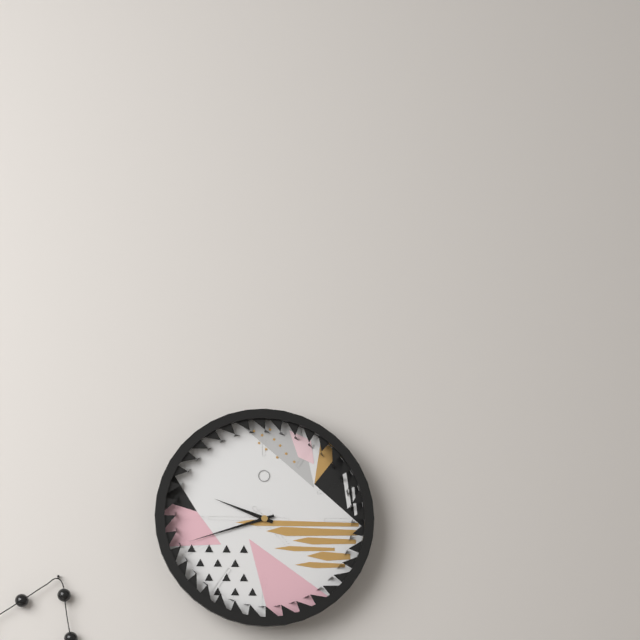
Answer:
9 h 42 min
